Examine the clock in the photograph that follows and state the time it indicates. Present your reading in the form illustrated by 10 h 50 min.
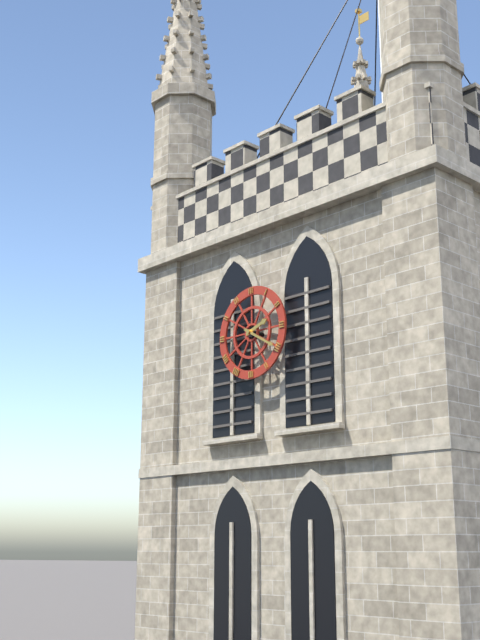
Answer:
2 h 20 min
